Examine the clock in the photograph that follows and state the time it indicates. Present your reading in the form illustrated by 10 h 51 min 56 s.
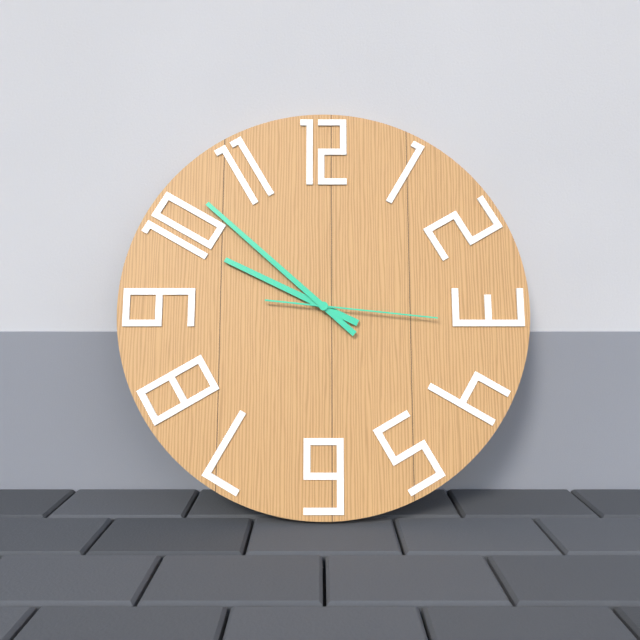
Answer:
9 h 52 min 16 s
